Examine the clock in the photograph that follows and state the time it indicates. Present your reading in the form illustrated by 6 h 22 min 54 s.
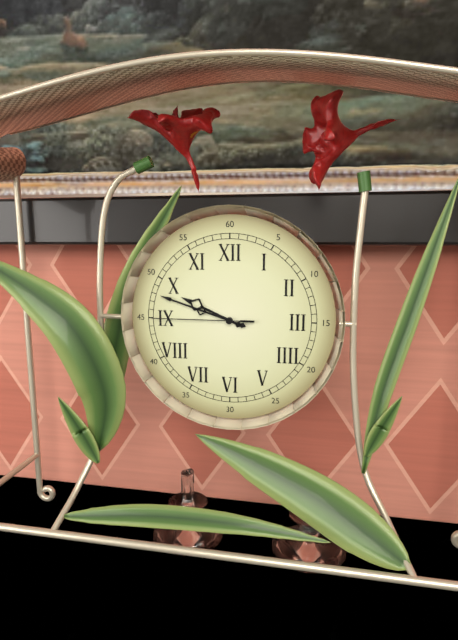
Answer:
9 h 48 min 45 s
